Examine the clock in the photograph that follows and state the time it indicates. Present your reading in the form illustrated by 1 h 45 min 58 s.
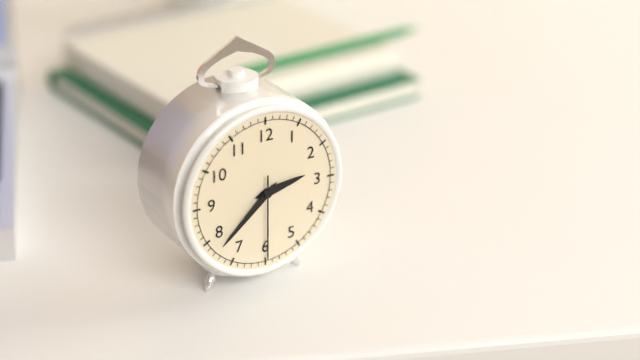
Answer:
2 h 38 min 30 s
